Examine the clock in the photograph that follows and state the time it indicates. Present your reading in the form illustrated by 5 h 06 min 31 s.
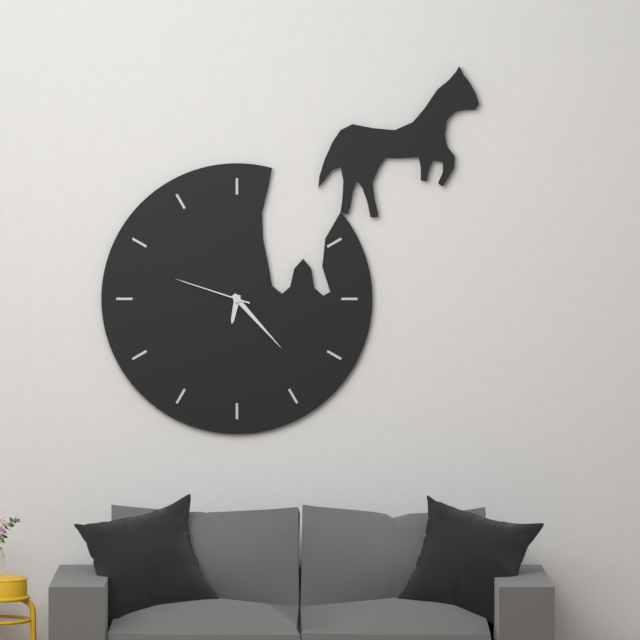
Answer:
6 h 23 min 48 s
